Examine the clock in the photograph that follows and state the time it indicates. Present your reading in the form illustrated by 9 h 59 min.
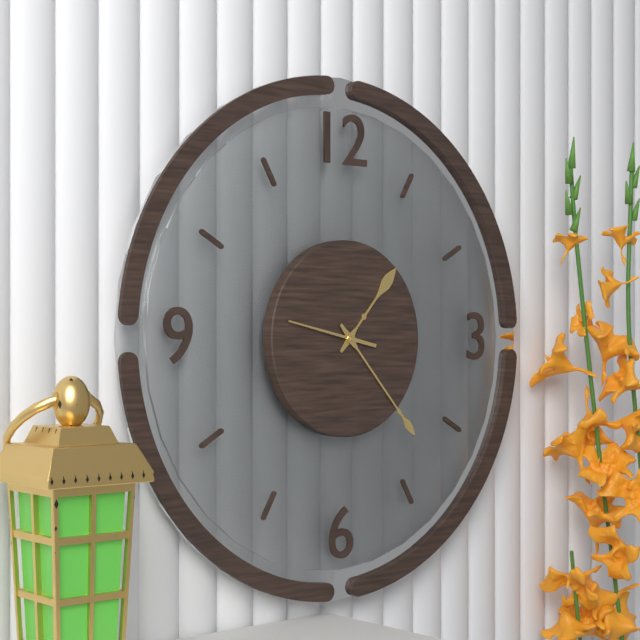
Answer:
1 h 23 min
